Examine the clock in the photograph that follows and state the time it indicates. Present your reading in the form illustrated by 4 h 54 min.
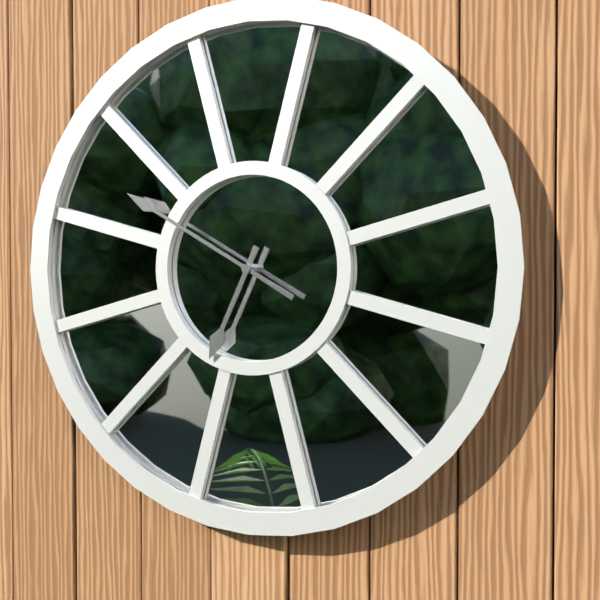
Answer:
6 h 50 min
